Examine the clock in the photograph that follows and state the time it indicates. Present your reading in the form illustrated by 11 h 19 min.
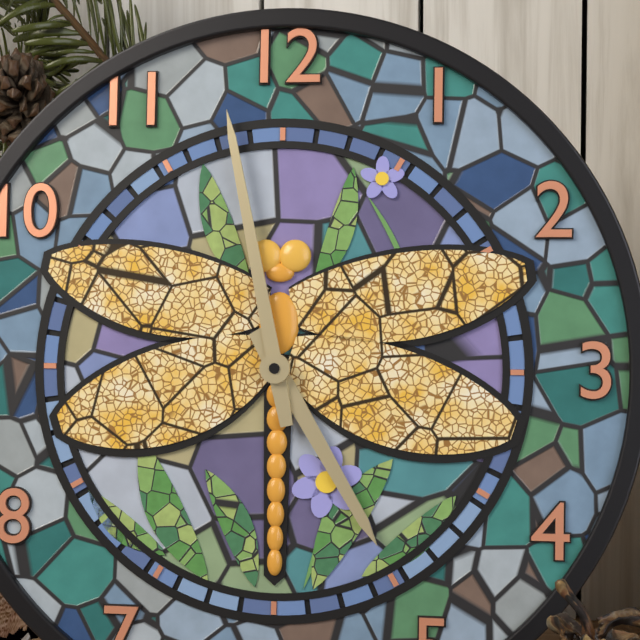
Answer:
4 h 58 min
